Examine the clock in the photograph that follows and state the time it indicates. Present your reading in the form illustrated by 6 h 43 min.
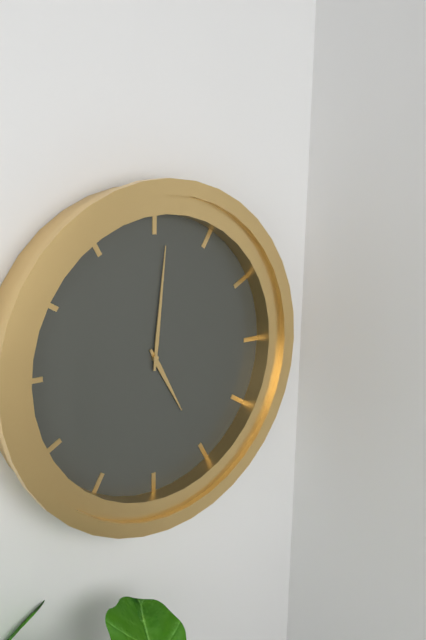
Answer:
5 h 01 min
